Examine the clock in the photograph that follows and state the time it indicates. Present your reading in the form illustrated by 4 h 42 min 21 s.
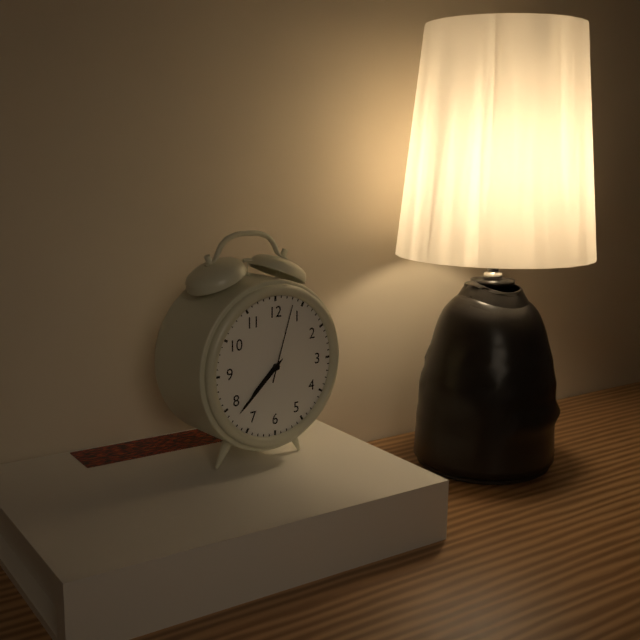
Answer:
7 h 38 min 03 s
